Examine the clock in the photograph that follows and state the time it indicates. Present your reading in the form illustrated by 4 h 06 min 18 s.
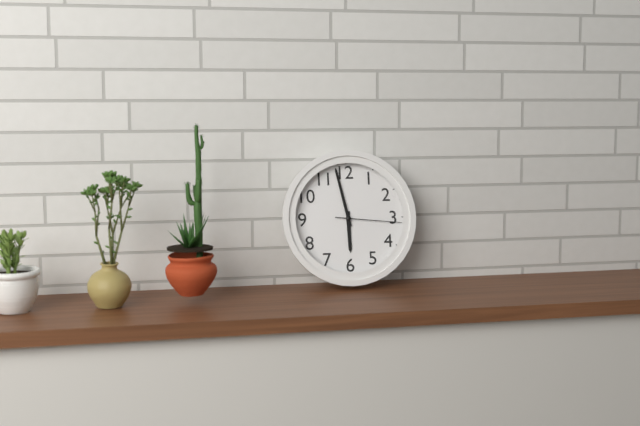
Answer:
5 h 58 min 16 s
